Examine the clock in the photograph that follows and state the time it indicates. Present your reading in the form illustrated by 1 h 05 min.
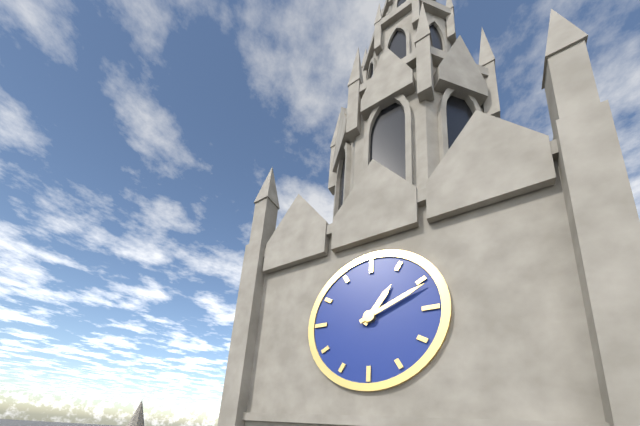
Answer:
1 h 11 min
